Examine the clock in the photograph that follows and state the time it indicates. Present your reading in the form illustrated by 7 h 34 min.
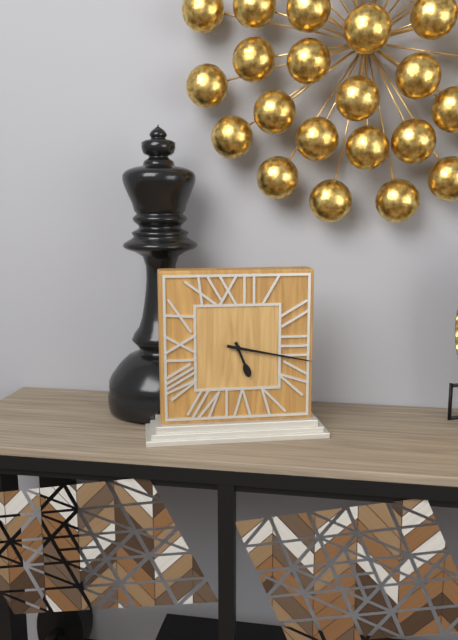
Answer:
5 h 17 min
